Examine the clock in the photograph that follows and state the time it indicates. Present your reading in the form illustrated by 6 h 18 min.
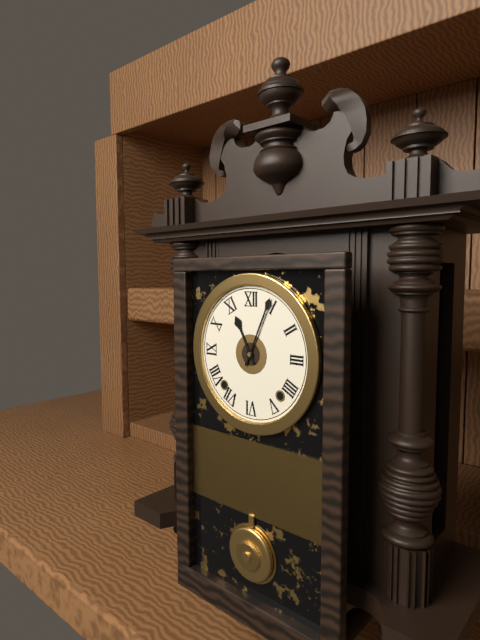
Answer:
11 h 04 min
